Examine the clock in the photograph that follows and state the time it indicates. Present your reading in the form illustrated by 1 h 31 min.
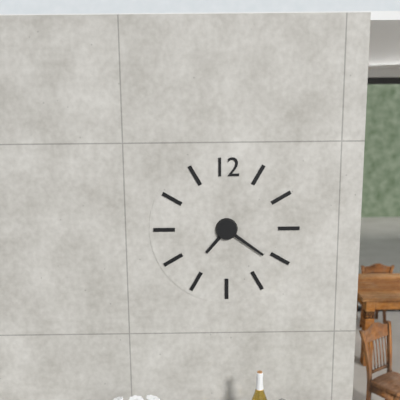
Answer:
7 h 21 min
